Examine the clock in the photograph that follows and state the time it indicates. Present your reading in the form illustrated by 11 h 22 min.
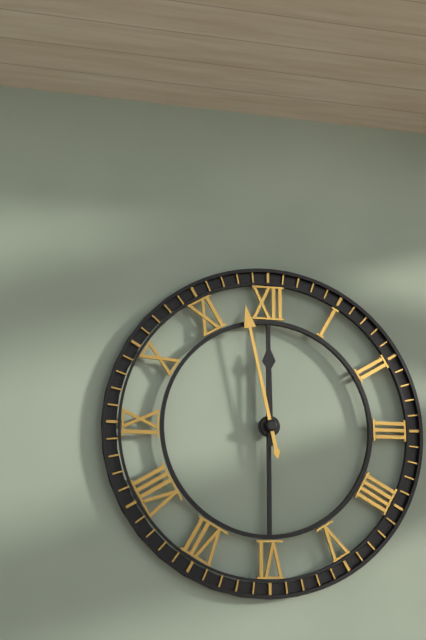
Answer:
11 h 58 min
